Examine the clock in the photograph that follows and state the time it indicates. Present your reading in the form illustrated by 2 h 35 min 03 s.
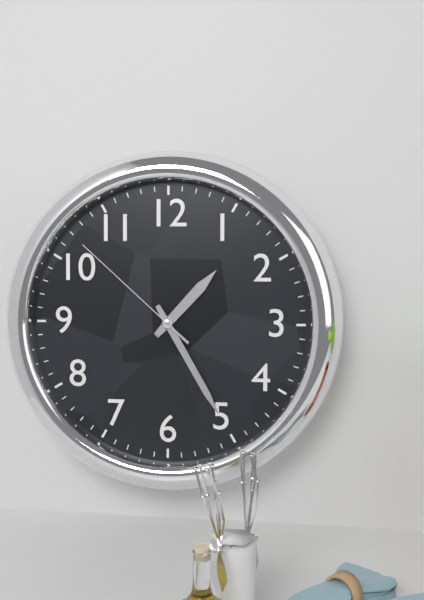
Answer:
1 h 25 min 52 s
